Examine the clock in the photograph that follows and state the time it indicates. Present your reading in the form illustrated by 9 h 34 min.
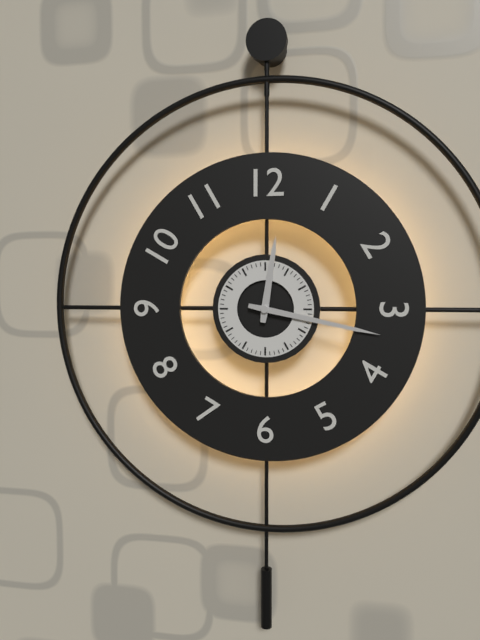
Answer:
12 h 17 min
